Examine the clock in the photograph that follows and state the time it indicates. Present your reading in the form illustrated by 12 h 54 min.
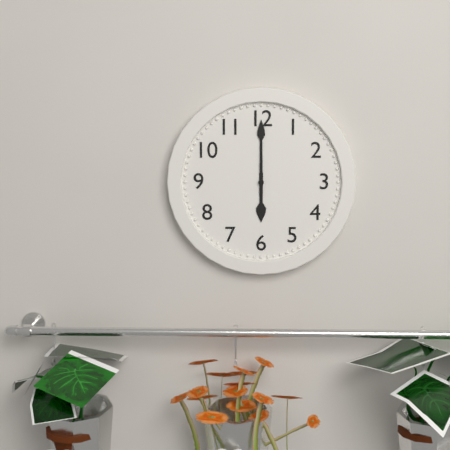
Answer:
6 h 00 min
